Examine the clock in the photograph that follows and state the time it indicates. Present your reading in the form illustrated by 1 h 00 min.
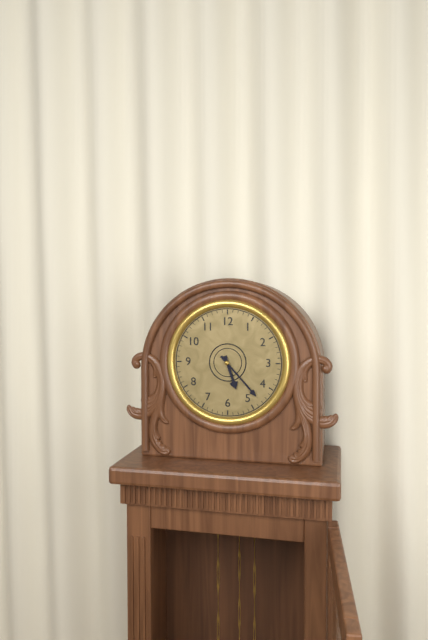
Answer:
5 h 23 min
